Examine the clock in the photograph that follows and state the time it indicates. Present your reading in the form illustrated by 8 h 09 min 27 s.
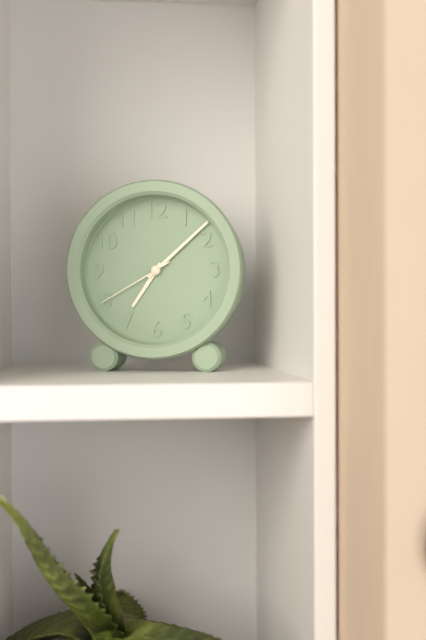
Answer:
7 h 08 min 40 s
